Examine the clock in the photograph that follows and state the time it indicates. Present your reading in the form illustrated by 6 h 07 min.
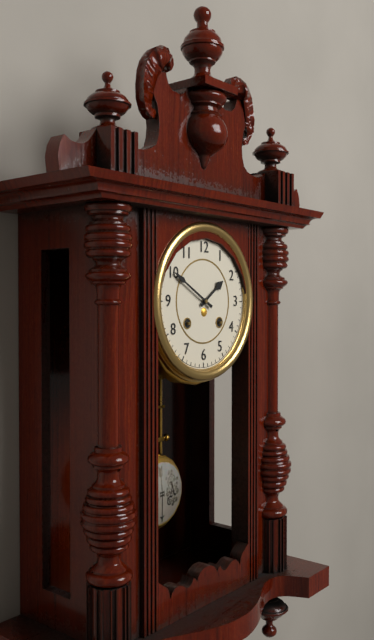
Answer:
1 h 50 min
